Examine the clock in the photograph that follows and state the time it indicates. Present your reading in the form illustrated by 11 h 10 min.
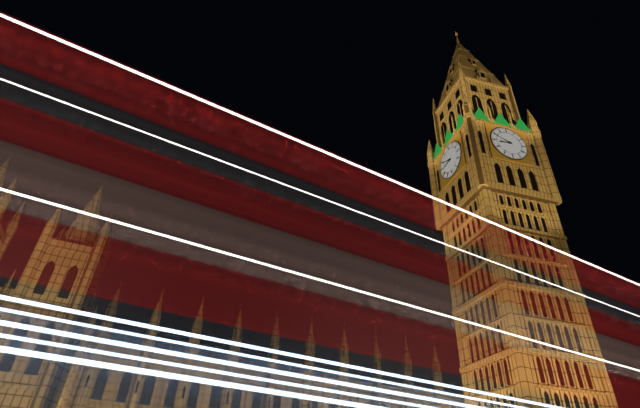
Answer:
8 h 49 min
